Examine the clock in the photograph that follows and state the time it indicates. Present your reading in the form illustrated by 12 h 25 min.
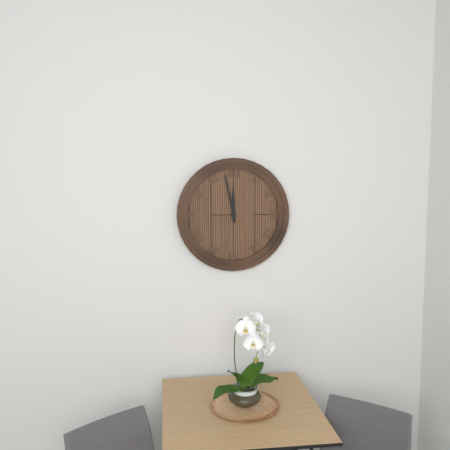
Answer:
11 h 58 min
